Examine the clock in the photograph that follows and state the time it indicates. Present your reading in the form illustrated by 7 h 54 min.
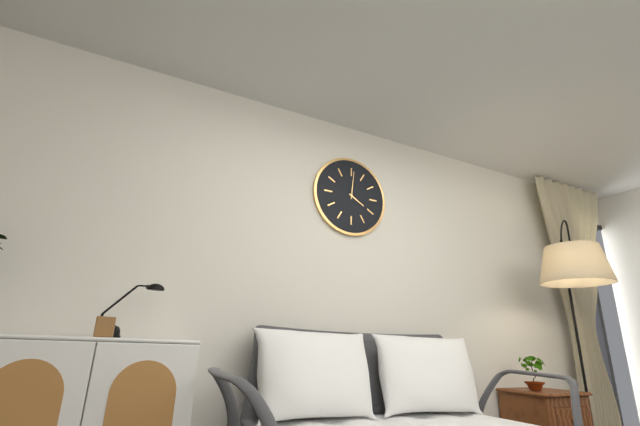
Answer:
4 h 01 min
